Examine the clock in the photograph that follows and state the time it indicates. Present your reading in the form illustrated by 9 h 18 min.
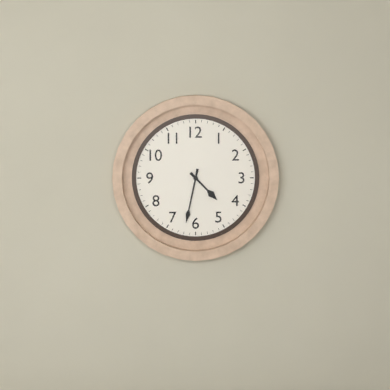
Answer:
4 h 32 min
